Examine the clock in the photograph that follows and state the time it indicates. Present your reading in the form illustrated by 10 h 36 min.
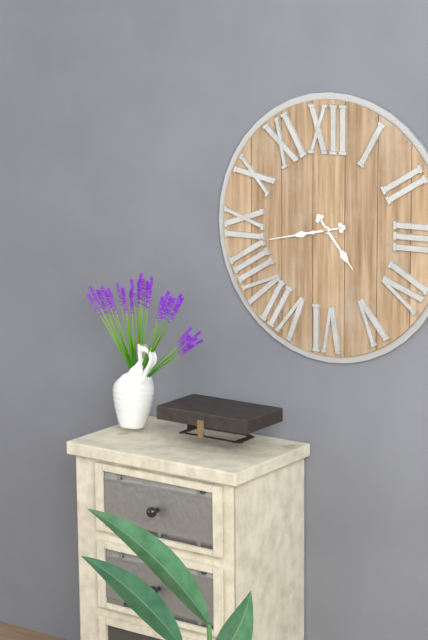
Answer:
4 h 43 min
